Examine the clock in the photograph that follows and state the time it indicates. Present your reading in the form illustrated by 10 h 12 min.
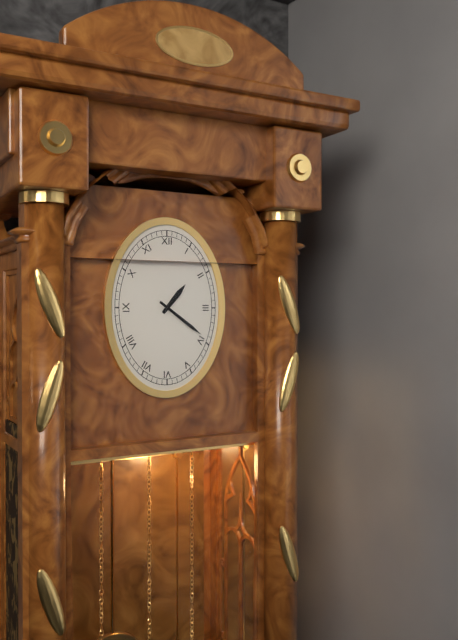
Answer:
1 h 21 min
